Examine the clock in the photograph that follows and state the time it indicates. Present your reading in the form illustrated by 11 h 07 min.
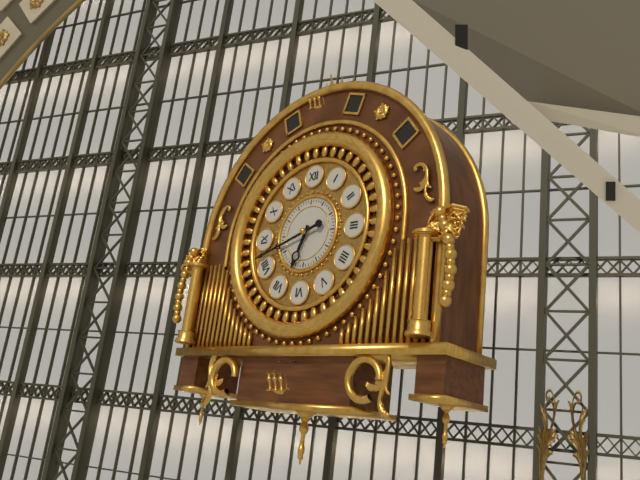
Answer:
6 h 42 min
